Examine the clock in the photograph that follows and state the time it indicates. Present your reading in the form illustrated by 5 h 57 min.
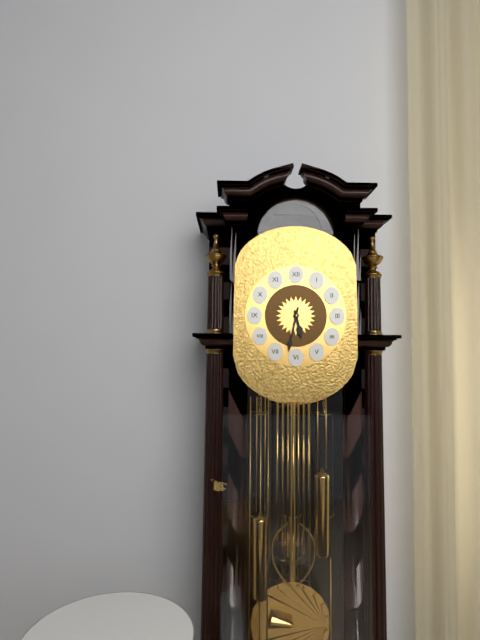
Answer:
5 h 32 min
